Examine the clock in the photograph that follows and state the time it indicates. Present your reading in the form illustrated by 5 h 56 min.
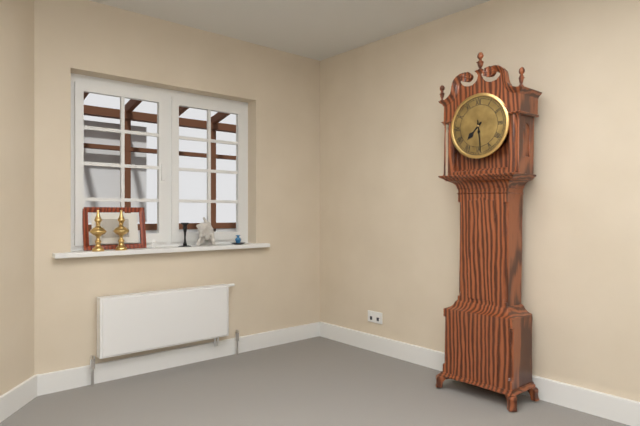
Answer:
7 h 29 min
